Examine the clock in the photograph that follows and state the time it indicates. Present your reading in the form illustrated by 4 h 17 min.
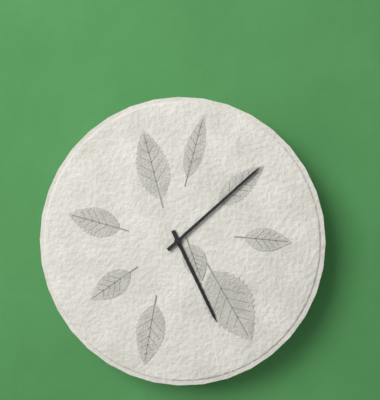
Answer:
5 h 08 min
